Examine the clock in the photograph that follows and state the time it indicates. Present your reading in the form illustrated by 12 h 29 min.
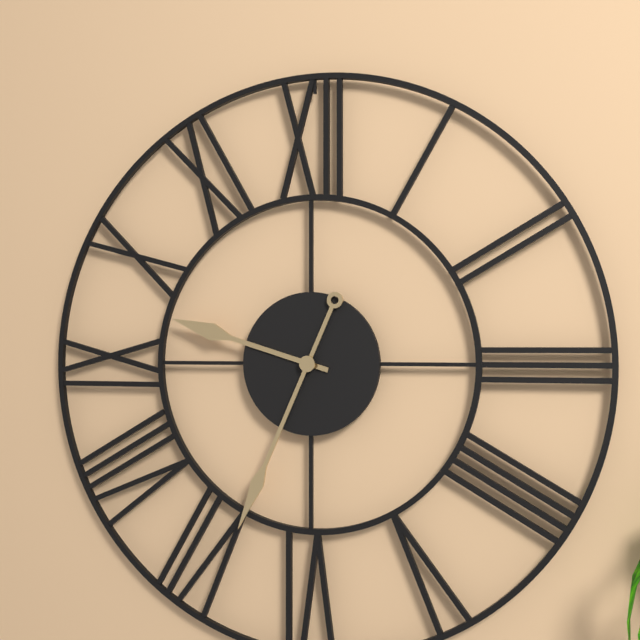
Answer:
9 h 34 min
